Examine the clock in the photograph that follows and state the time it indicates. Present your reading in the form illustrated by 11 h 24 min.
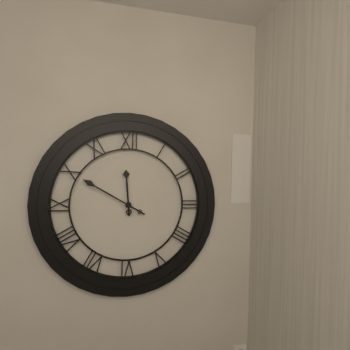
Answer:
11 h 50 min
